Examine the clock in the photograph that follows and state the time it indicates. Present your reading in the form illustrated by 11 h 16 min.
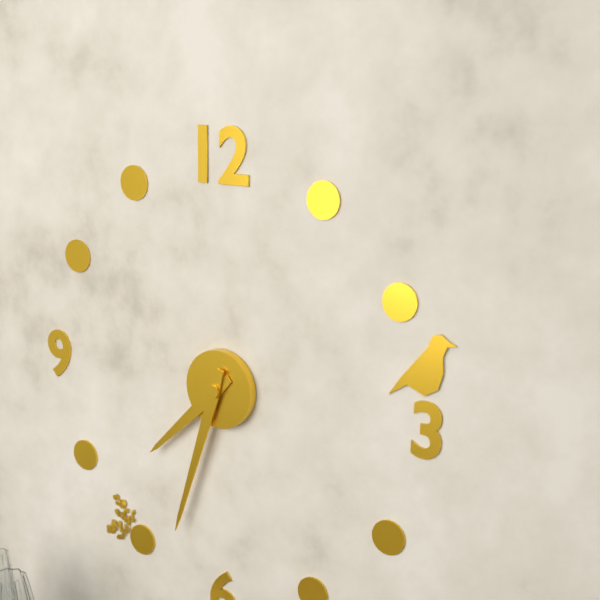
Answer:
7 h 33 min
